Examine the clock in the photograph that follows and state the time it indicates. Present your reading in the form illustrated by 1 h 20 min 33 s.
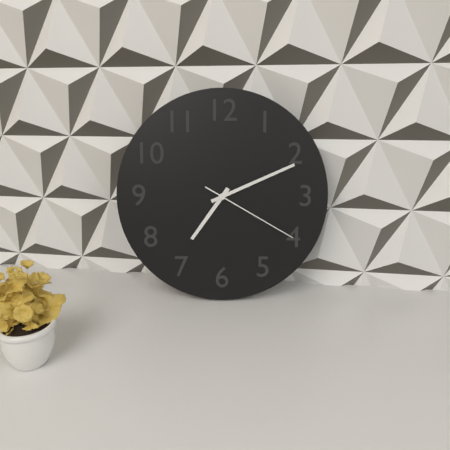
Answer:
7 h 11 min 20 s
